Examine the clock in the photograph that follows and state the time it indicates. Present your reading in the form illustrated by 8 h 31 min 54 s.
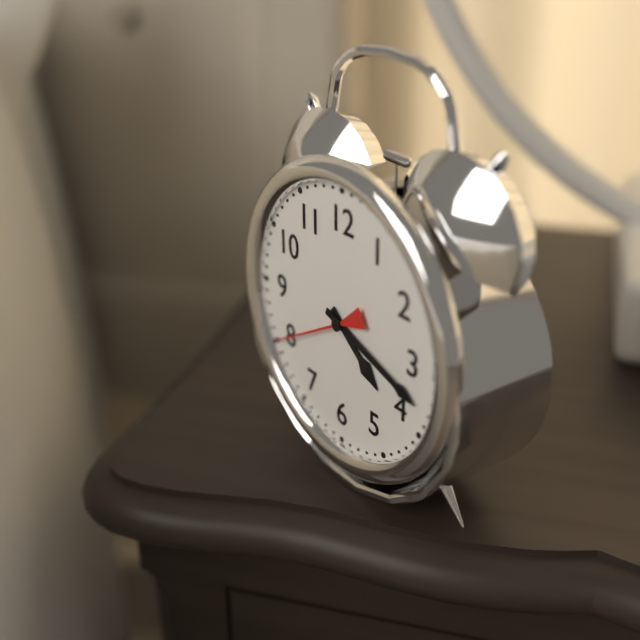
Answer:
4 h 18 min 40 s
